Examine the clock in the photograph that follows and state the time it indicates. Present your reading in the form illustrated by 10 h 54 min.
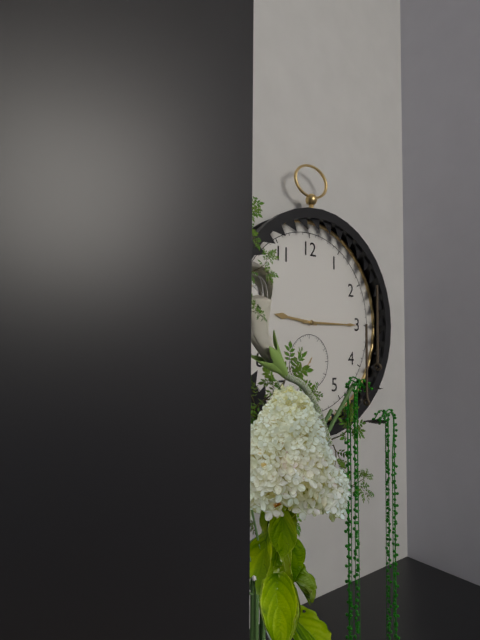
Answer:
9 h 15 min
